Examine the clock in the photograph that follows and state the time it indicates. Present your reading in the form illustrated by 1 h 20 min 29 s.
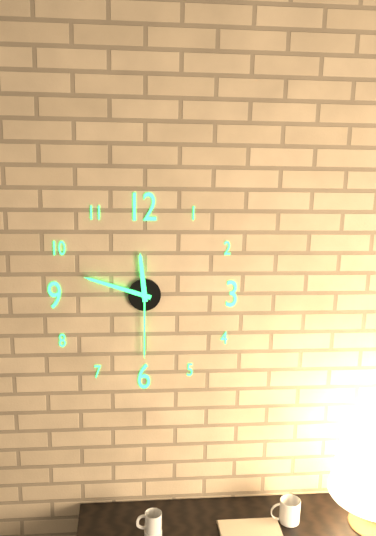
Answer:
11 h 48 min 30 s
